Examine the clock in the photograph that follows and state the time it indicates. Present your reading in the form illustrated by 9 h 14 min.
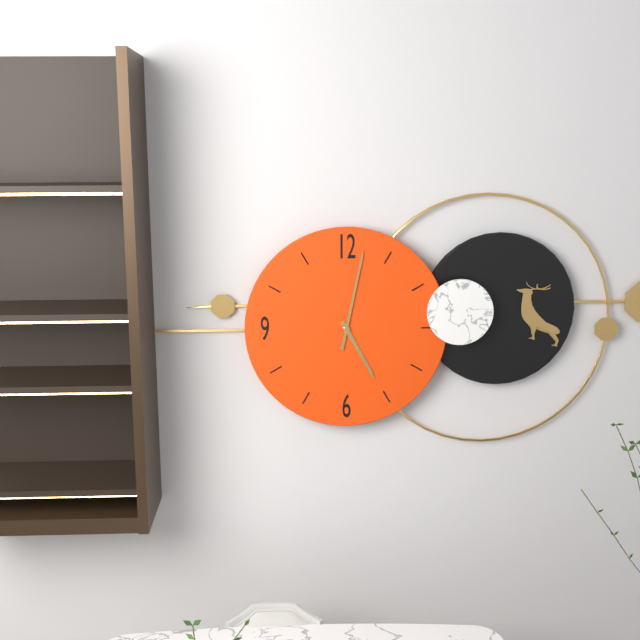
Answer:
5 h 02 min
